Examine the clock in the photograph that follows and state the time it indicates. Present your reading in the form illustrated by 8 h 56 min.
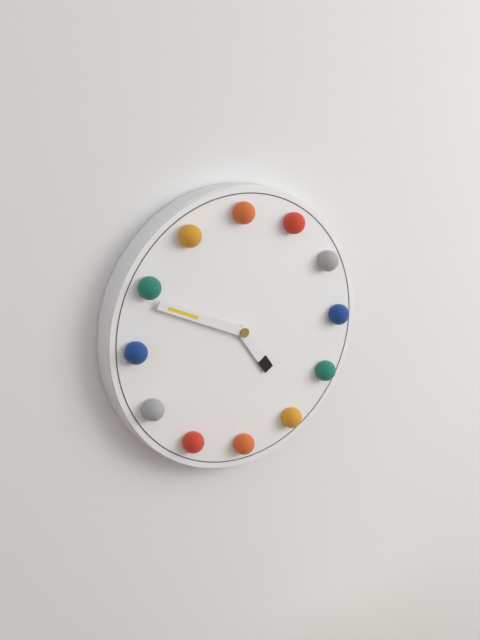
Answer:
4 h 49 min
